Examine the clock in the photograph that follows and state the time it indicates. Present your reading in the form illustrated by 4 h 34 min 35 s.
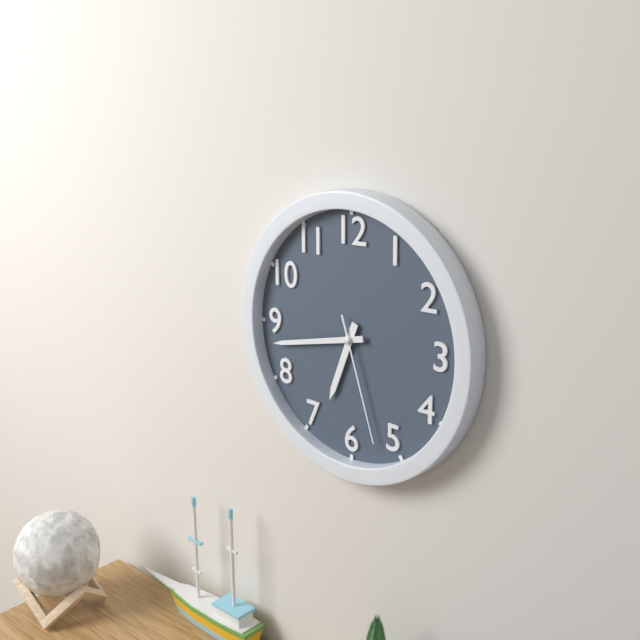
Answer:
6 h 43 min 27 s
